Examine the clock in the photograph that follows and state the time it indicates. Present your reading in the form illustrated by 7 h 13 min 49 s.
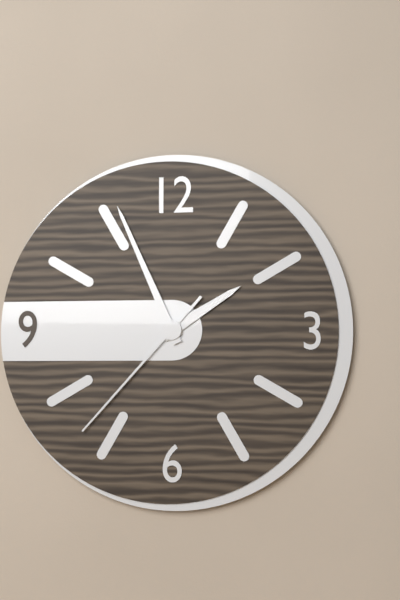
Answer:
1 h 56 min 37 s
